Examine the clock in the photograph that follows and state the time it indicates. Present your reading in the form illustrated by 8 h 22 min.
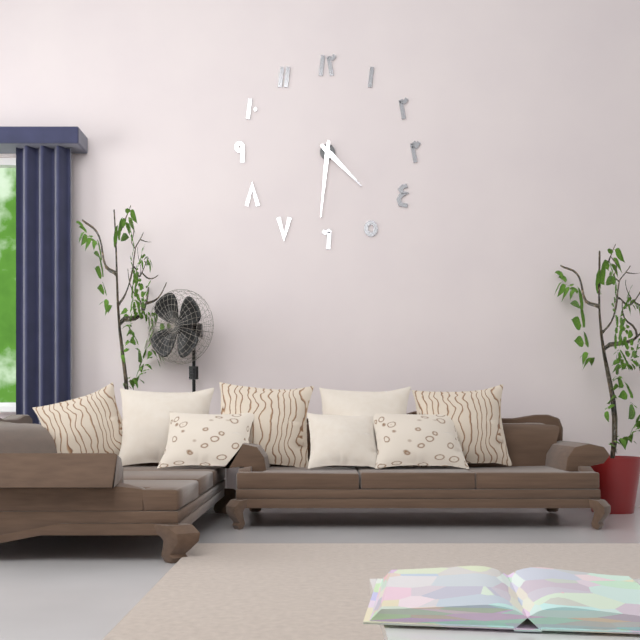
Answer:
4 h 31 min
